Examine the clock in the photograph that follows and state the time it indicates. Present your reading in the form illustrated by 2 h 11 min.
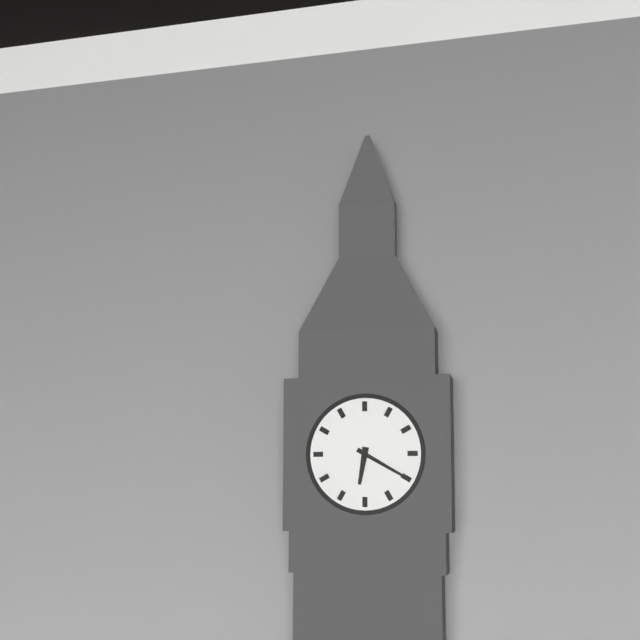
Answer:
6 h 20 min
